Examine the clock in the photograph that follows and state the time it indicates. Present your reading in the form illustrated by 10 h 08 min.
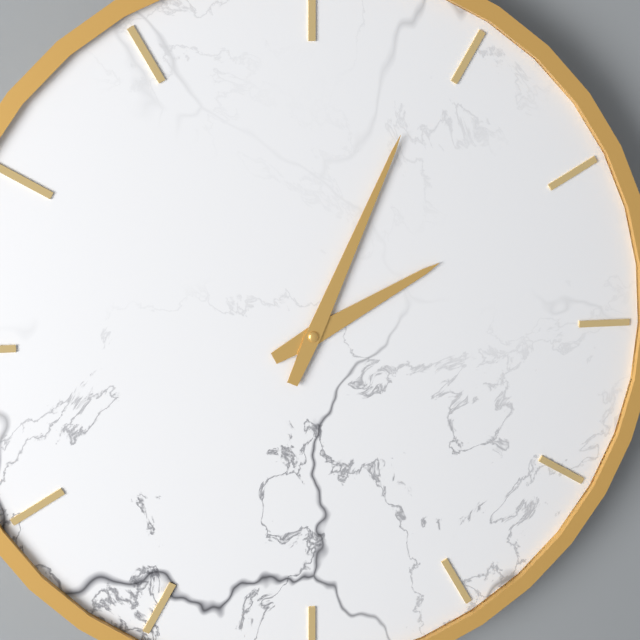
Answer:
2 h 04 min
